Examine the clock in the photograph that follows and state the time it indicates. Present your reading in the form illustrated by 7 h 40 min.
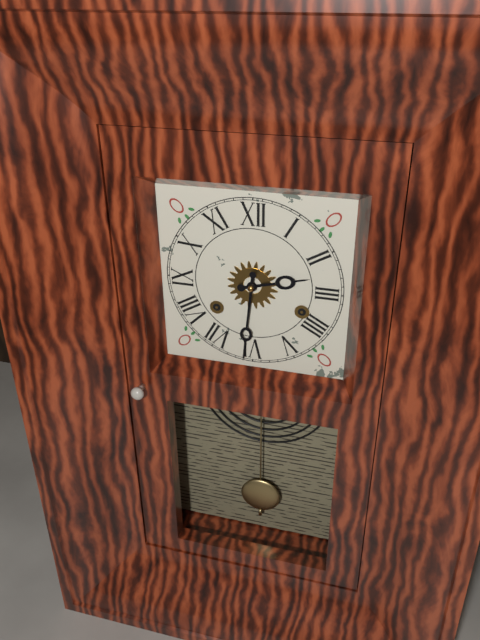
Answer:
2 h 31 min
